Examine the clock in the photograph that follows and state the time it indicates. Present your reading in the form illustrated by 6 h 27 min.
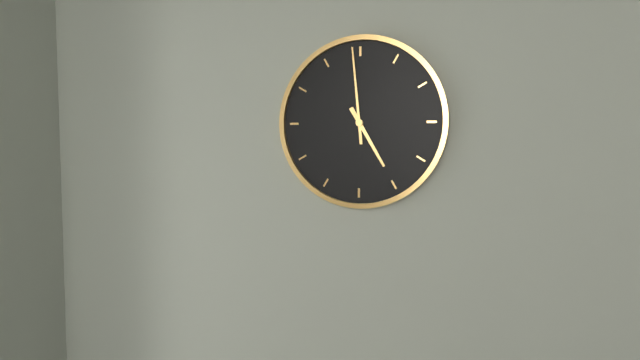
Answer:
4 h 59 min
